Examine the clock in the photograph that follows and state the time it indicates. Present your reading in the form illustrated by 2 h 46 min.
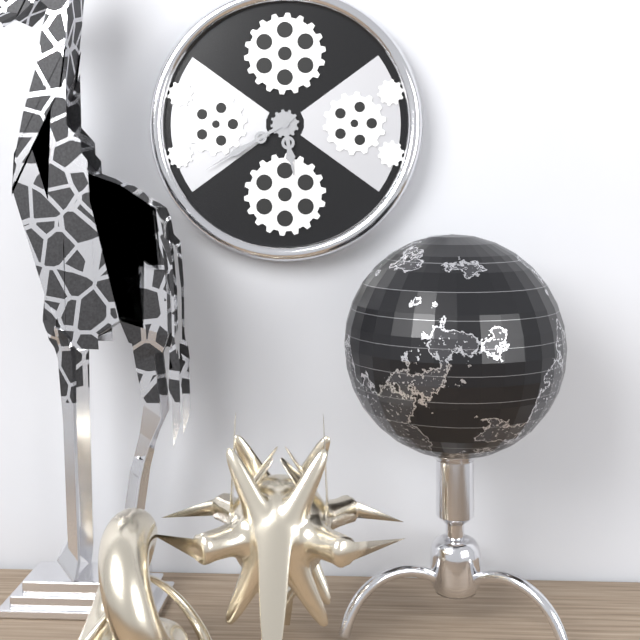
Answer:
5 h 40 min
